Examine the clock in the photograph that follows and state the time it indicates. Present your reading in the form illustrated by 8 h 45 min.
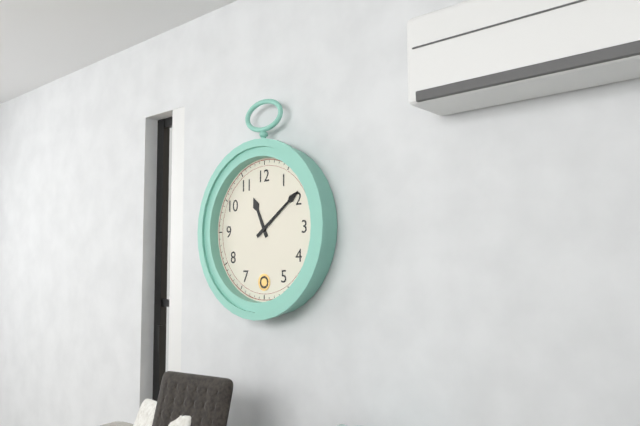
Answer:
11 h 09 min
